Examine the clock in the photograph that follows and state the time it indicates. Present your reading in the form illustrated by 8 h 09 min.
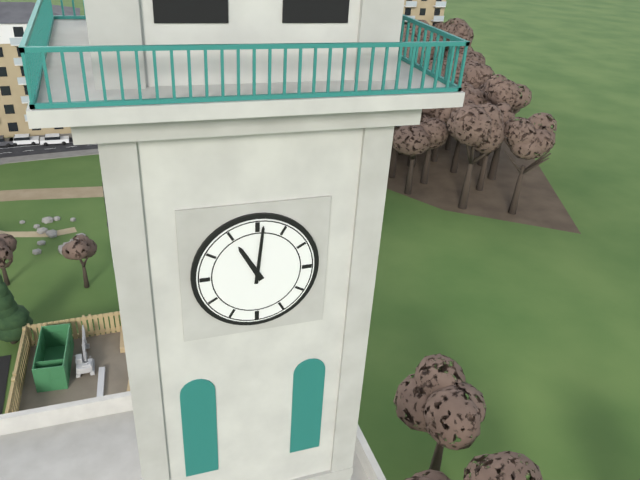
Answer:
11 h 01 min
